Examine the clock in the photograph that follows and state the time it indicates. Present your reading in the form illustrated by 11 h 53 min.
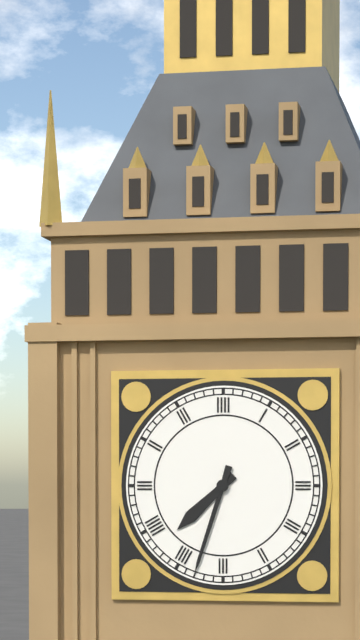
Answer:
7 h 33 min
